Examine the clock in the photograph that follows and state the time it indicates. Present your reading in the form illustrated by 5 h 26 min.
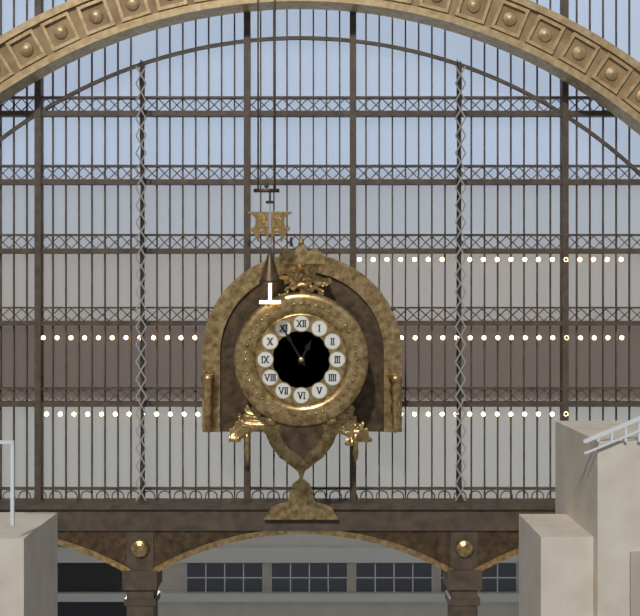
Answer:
12 h 55 min
